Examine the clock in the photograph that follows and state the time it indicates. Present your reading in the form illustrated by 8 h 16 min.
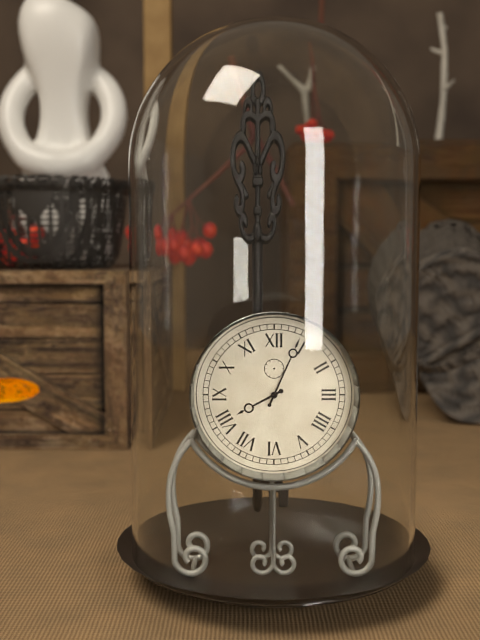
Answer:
8 h 04 min
